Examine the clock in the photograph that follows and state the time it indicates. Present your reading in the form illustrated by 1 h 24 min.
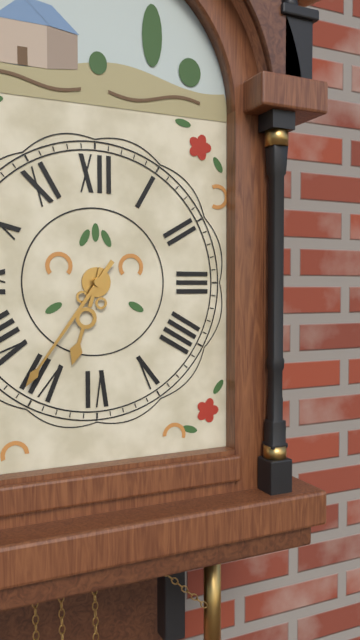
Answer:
6 h 36 min
